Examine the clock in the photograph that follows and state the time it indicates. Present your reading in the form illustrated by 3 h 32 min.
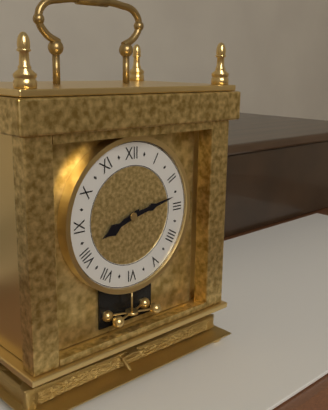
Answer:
8 h 13 min
